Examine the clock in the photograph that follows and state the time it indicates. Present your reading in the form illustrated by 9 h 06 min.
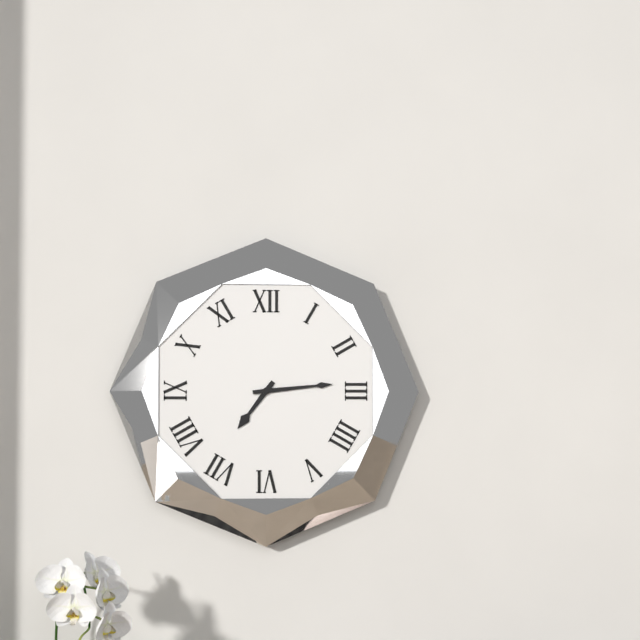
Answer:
7 h 14 min
